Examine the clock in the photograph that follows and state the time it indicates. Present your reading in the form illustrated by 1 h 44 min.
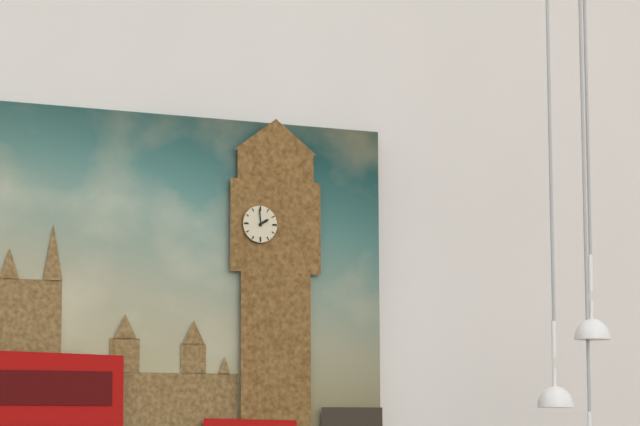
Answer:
1 h 59 min
